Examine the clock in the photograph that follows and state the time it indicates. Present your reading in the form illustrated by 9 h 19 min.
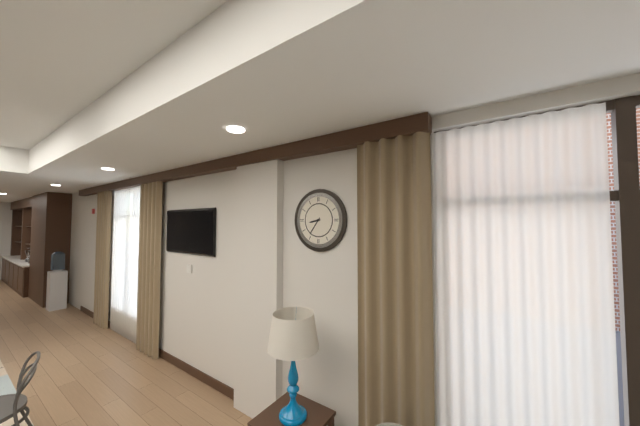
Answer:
8 h 36 min
